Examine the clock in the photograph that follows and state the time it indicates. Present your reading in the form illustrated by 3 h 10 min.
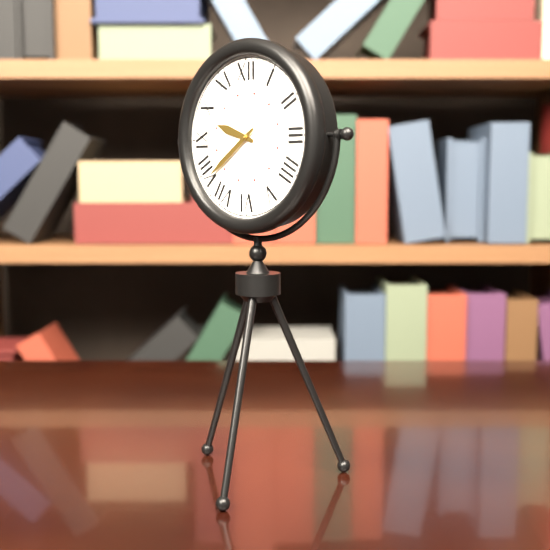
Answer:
9 h 39 min
